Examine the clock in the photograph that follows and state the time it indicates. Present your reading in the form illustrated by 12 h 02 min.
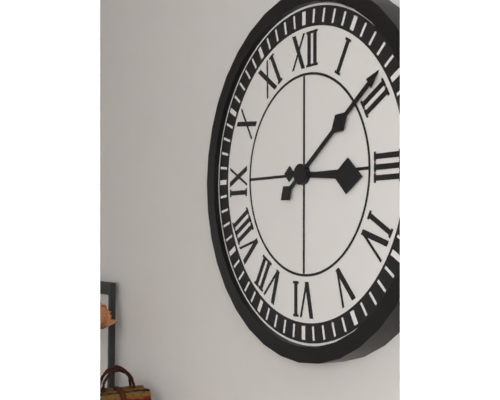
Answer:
3 h 09 min
